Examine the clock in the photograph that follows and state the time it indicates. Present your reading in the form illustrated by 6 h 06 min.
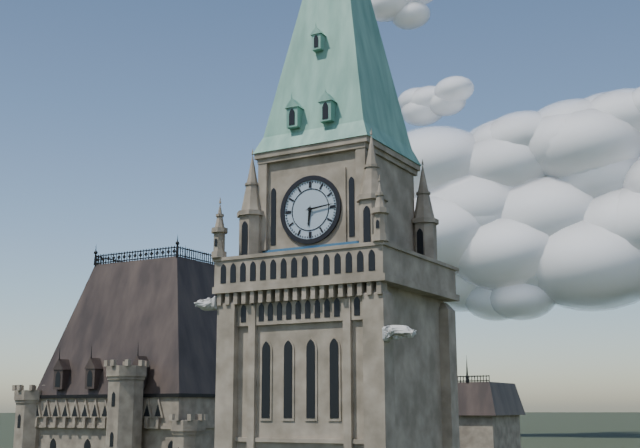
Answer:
6 h 14 min
